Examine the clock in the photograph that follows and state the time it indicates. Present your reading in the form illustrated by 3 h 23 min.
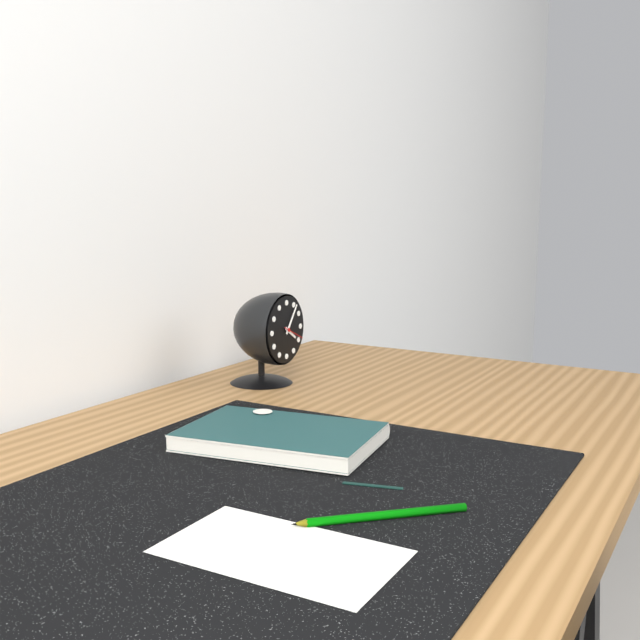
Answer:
4 h 06 min
